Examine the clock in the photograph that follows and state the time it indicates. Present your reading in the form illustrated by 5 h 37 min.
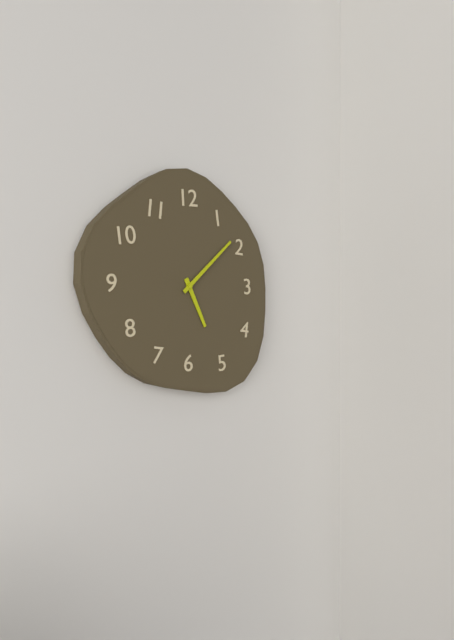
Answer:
5 h 08 min
